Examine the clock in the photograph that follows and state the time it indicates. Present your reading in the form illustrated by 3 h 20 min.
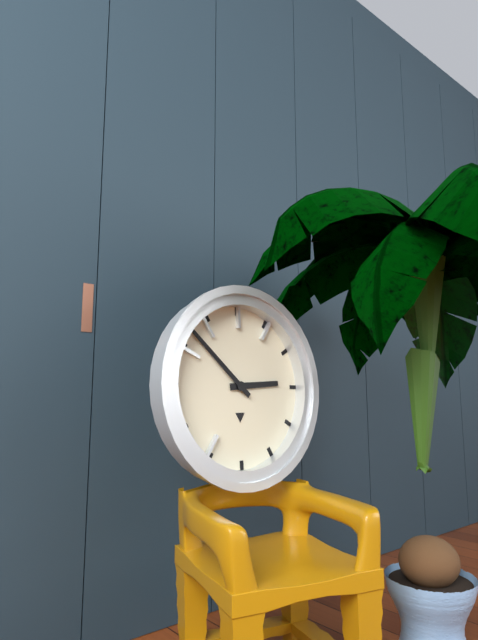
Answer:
2 h 52 min
